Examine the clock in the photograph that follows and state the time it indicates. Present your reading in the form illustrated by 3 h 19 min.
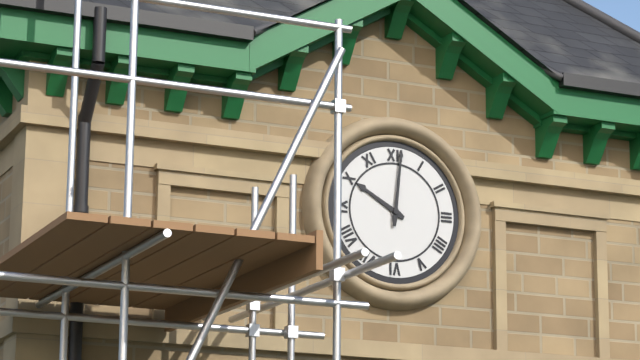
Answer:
10 h 01 min
